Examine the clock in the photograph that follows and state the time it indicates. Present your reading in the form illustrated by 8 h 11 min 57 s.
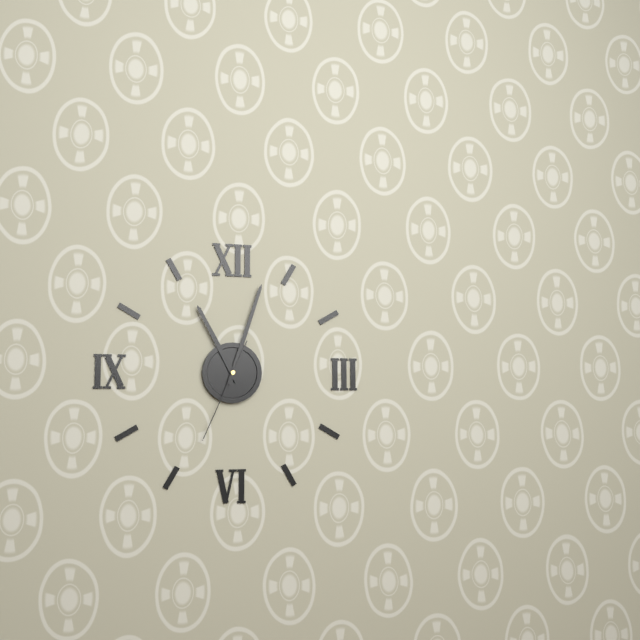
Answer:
11 h 03 min 34 s
